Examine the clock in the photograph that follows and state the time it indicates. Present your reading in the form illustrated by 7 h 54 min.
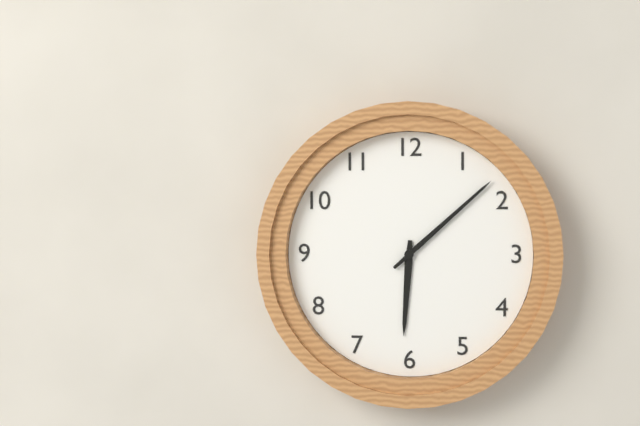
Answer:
6 h 08 min
